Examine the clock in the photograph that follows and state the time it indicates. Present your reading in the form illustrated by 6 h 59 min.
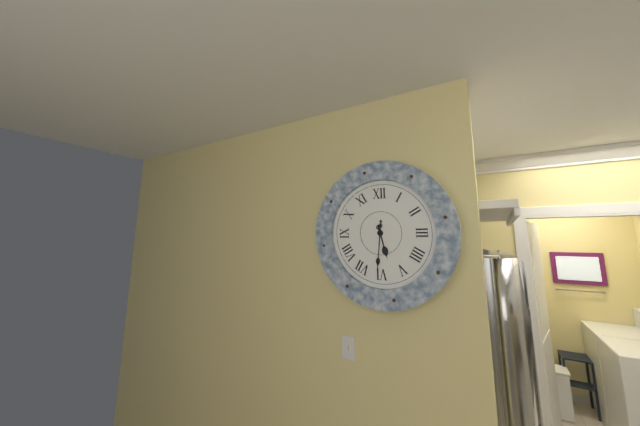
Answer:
5 h 31 min
